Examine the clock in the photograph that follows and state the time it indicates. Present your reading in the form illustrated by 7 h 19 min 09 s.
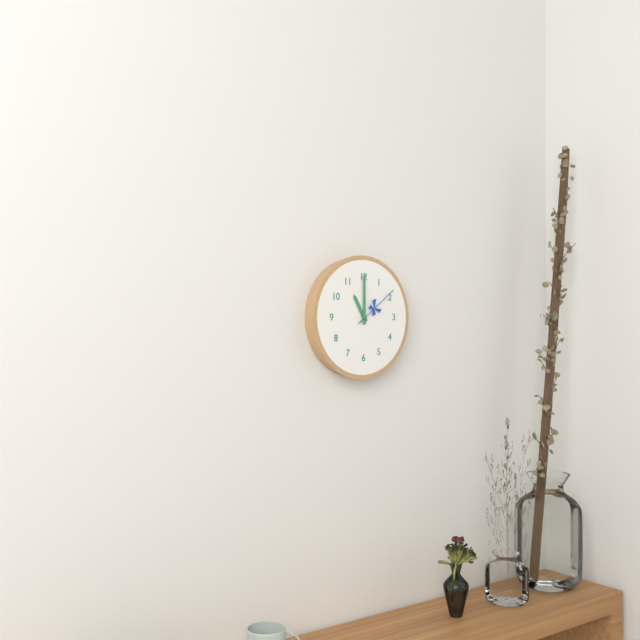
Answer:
11 h 00 min 09 s
